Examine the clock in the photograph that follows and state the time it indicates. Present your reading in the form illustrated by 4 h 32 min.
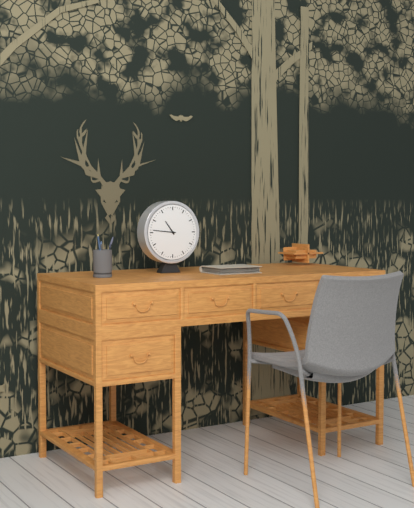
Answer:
10 h 46 min
